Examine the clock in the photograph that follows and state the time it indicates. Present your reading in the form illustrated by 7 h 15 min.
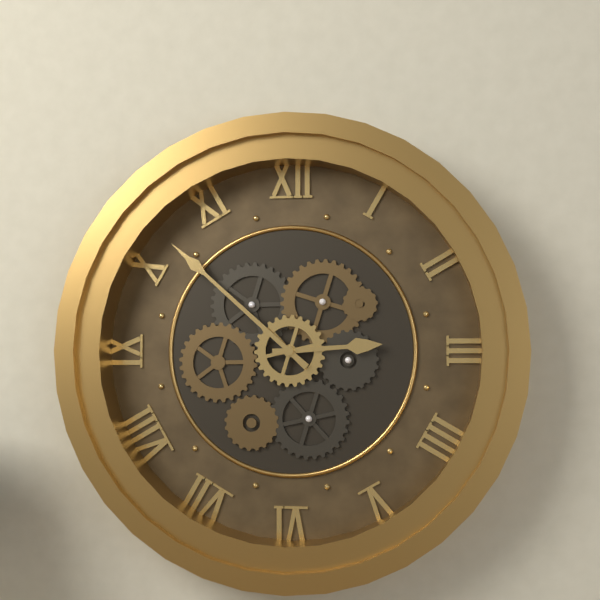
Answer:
2 h 52 min
